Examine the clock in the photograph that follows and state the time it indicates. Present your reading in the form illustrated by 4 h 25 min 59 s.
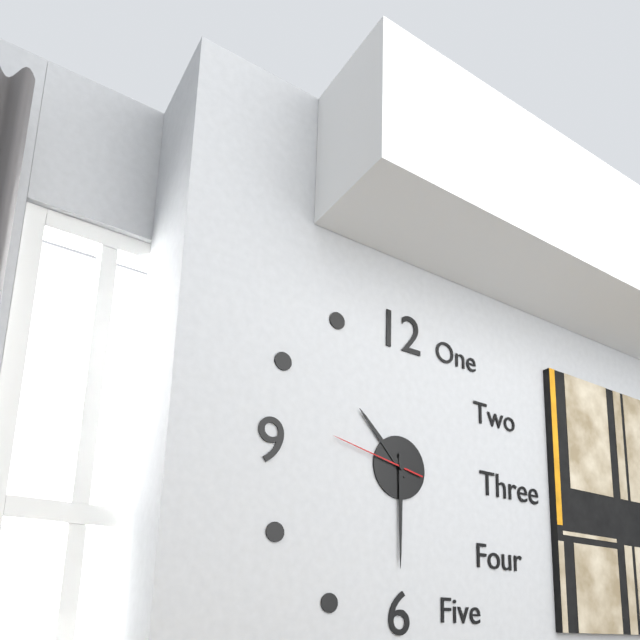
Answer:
10 h 30 min 47 s
